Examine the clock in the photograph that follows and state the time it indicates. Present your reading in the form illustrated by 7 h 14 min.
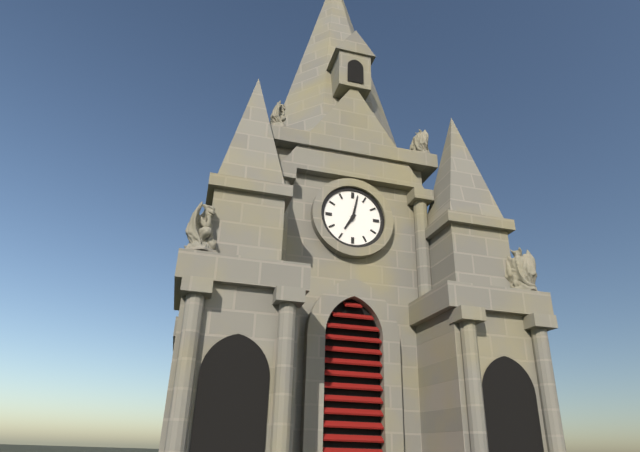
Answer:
7 h 02 min
